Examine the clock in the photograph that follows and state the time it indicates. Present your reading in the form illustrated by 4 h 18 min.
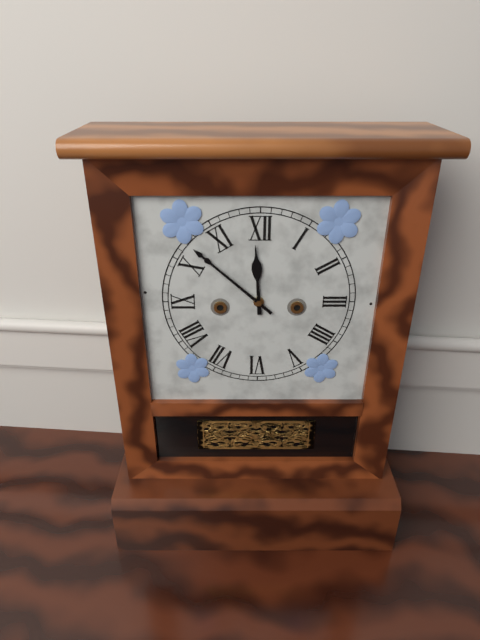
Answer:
11 h 52 min
